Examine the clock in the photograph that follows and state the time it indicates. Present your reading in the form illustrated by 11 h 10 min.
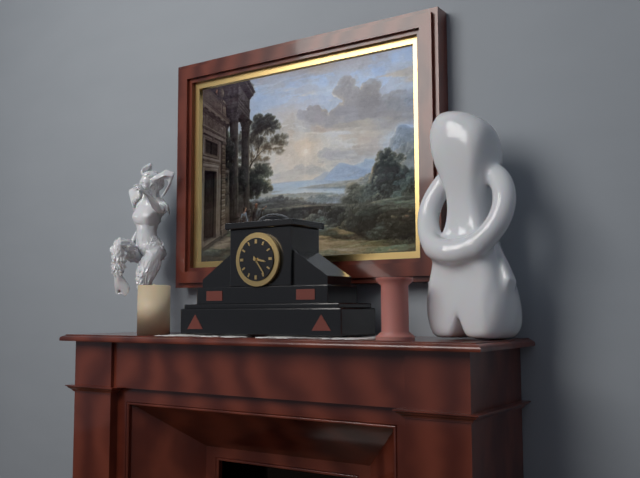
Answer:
3 h 24 min
